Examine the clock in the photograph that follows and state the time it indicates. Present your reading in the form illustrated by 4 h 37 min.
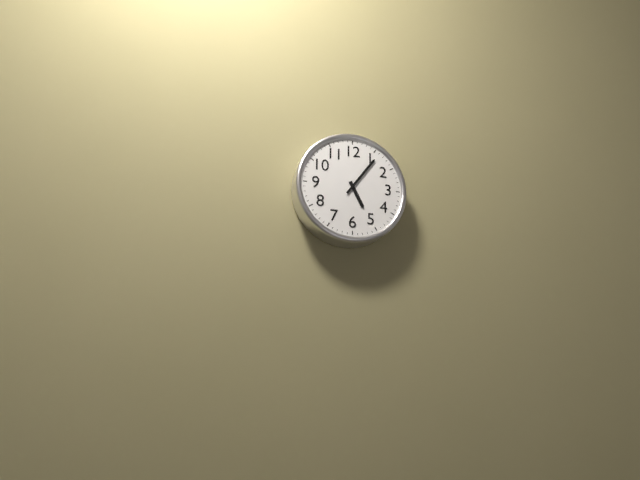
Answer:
5 h 06 min
